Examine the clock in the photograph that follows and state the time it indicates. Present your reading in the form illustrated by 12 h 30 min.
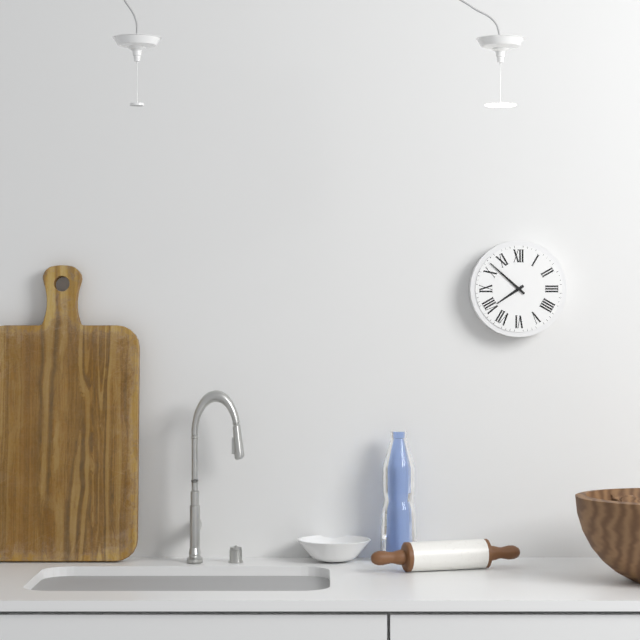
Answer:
7 h 52 min
